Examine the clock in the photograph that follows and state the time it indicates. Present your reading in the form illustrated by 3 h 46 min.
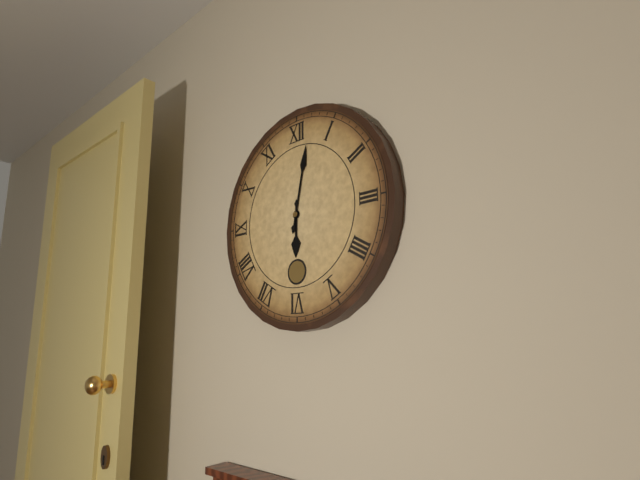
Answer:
6 h 02 min
